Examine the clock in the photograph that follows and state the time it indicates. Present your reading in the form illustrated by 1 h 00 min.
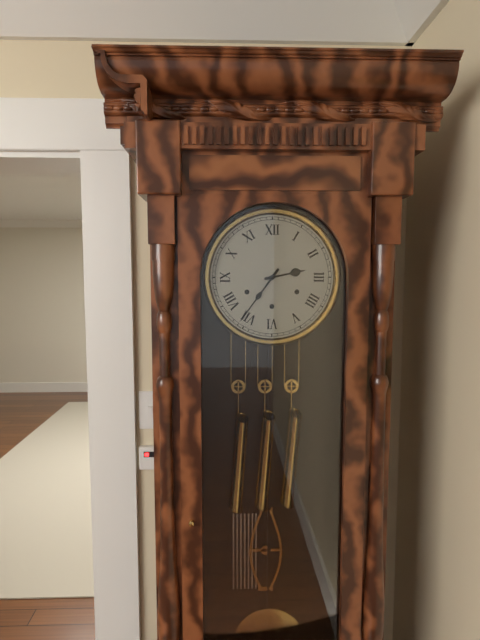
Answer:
2 h 36 min
